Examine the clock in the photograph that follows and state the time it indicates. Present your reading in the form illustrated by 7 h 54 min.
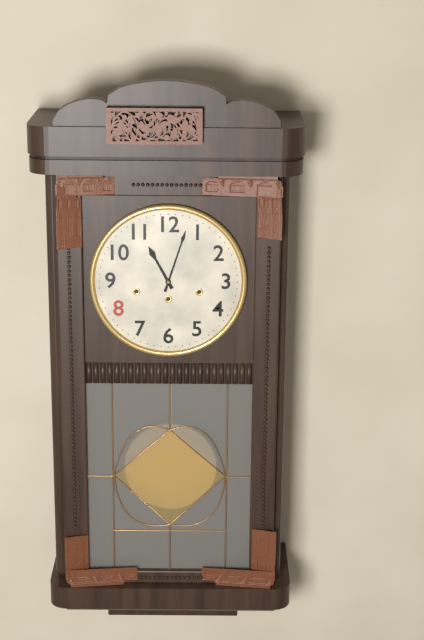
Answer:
11 h 03 min
